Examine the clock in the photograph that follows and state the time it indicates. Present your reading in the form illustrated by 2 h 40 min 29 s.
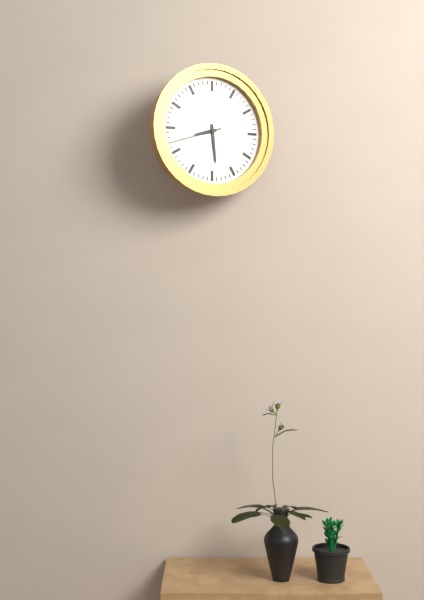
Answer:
8 h 29 min 42 s
